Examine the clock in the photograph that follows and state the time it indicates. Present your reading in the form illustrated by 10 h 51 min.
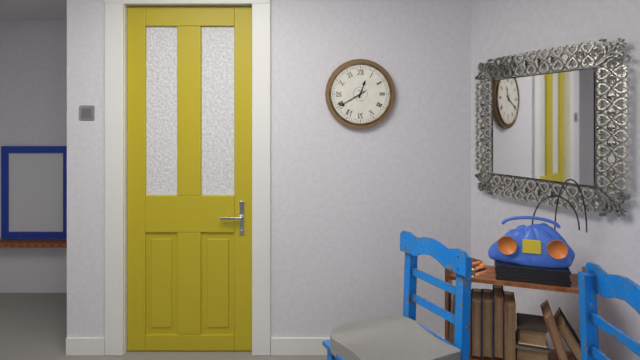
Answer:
12 h 40 min
